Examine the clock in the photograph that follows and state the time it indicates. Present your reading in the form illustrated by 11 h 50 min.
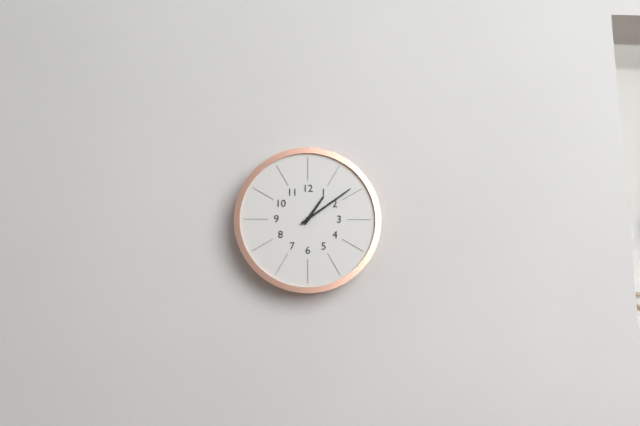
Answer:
1 h 09 min
